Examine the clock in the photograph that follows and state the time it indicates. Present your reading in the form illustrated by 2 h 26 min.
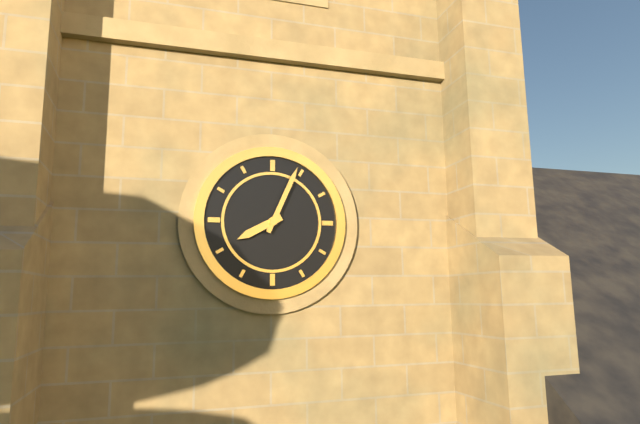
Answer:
8 h 04 min
